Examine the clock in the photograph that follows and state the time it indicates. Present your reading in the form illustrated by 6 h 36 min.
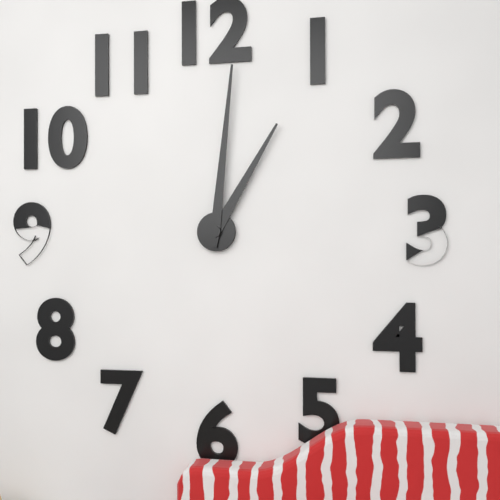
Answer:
1 h 01 min
